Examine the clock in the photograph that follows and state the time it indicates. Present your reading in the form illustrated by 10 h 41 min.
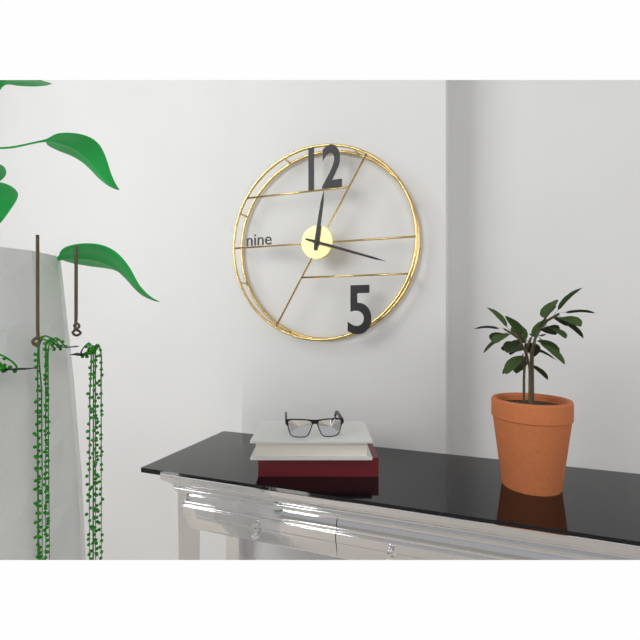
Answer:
12 h 18 min
